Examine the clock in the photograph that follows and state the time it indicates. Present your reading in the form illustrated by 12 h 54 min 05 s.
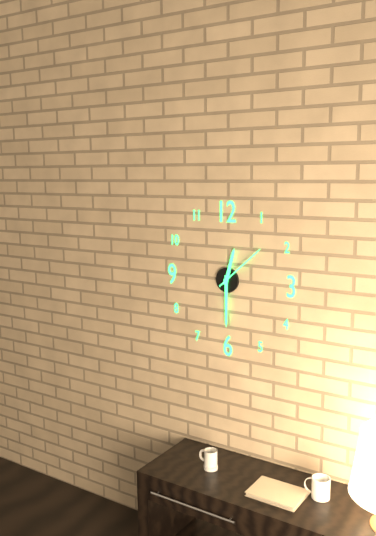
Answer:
12 h 30 min 08 s
